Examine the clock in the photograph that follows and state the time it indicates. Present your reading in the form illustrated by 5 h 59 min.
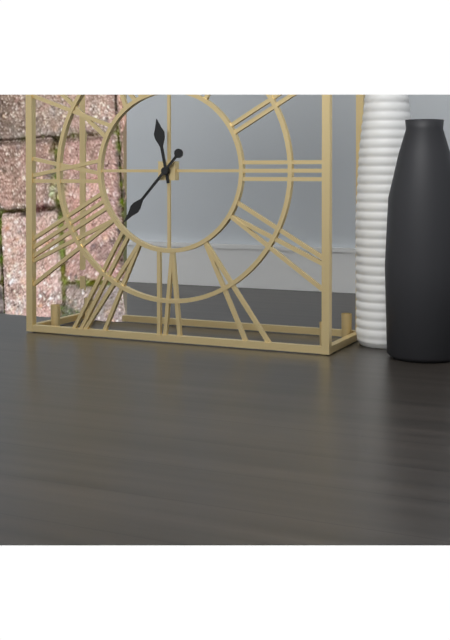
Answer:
11 h 37 min
